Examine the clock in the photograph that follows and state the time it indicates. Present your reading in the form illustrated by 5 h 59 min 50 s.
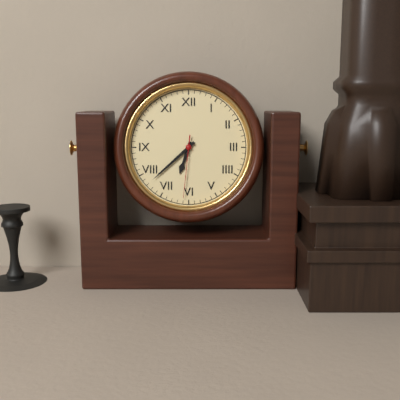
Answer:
6 h 38 min 31 s
